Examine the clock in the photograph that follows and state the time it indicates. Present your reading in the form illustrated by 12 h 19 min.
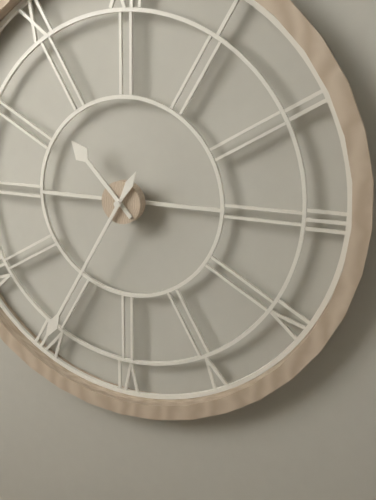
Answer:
10 h 35 min
